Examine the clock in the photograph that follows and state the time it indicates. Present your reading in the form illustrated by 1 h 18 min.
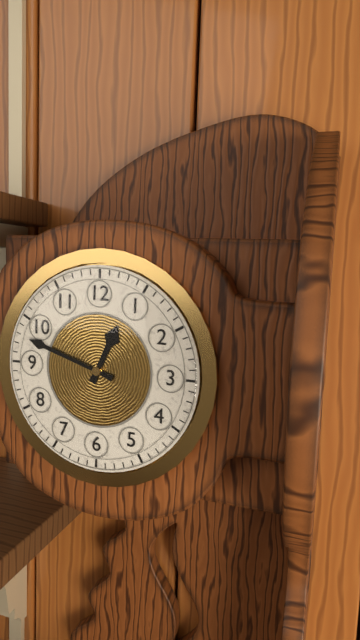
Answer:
12 h 48 min
